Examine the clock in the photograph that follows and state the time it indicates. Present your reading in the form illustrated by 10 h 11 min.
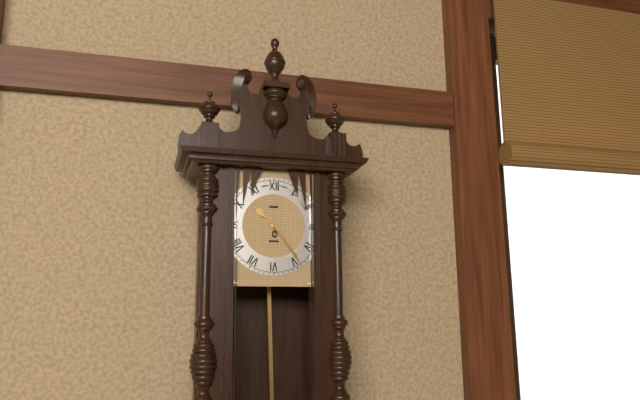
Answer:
10 h 24 min
